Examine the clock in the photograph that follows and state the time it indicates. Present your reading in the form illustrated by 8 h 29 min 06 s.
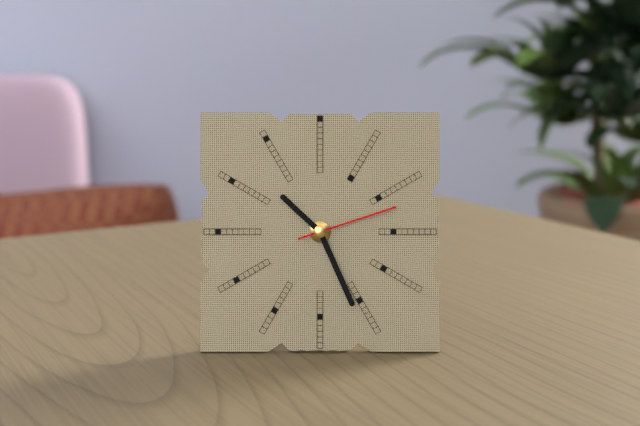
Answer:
10 h 26 min 12 s
